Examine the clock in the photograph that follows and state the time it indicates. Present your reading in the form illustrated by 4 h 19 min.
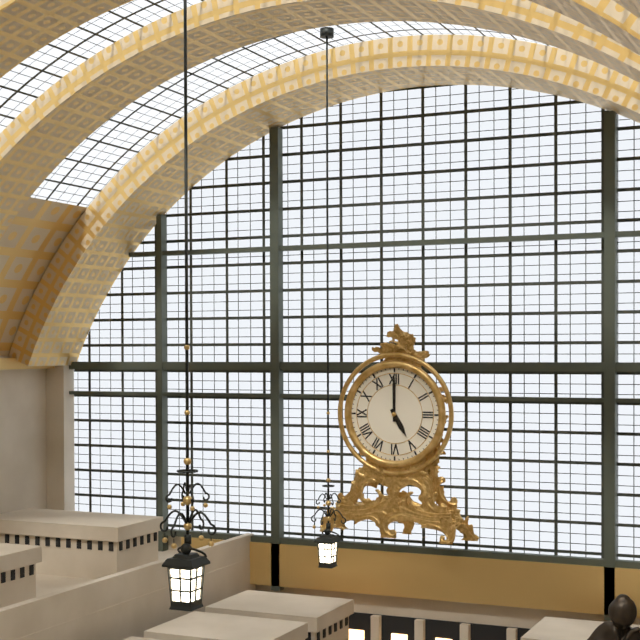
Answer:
5 h 00 min
